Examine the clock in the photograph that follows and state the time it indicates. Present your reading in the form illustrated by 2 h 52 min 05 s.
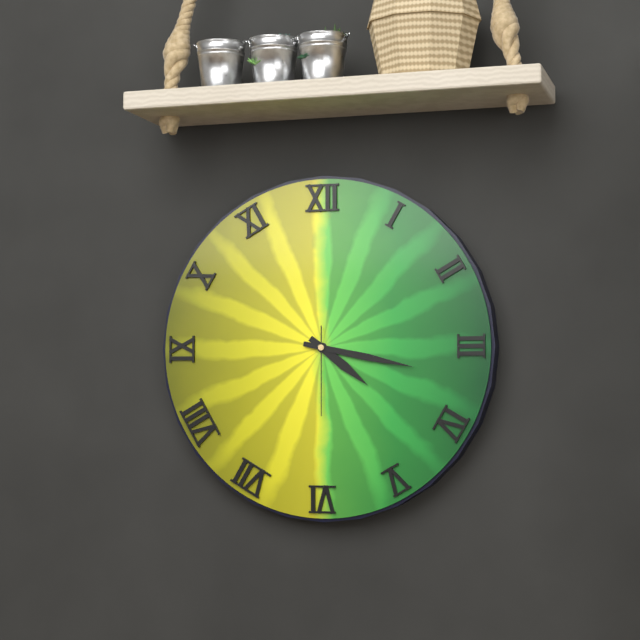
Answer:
4 h 17 min 30 s
